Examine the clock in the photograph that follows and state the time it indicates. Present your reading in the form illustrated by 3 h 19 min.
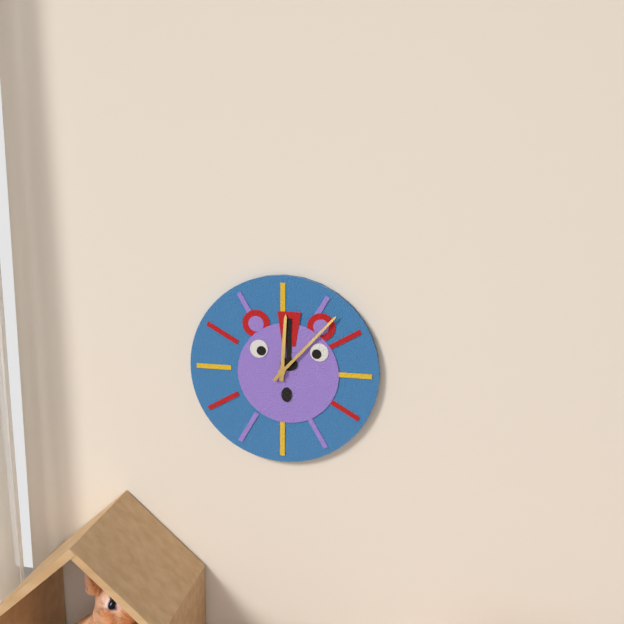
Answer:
12 h 07 min
